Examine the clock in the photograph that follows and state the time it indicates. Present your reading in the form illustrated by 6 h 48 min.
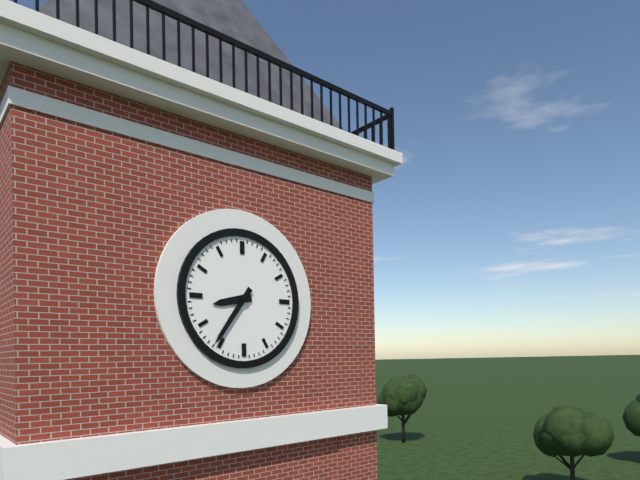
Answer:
8 h 36 min
